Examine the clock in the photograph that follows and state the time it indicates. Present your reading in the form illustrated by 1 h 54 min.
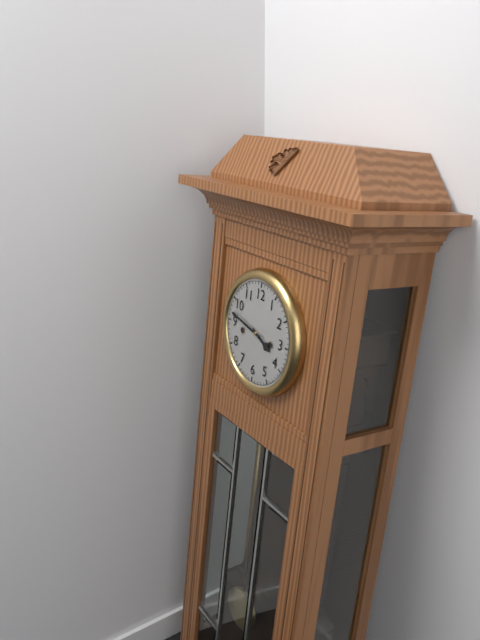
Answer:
3 h 47 min
